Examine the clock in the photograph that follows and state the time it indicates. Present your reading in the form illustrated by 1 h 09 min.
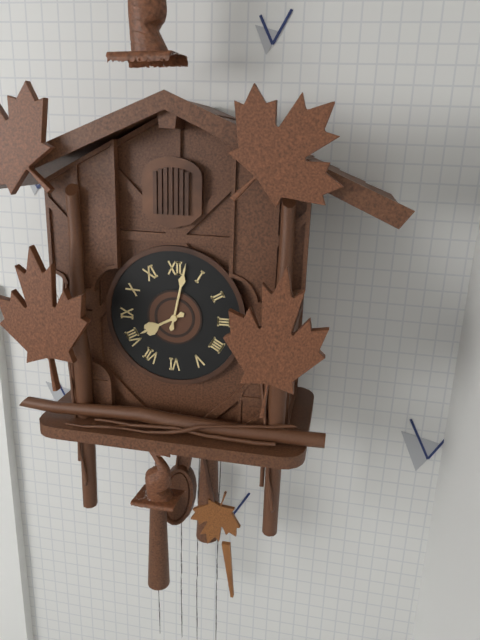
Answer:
8 h 02 min
